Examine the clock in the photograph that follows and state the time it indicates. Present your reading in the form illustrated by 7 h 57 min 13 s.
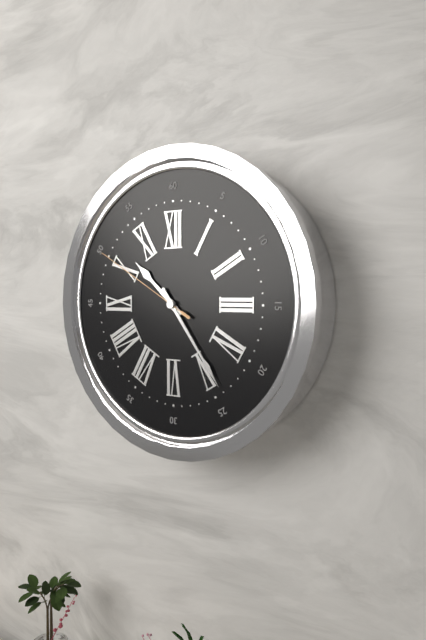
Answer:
10 h 24 min 50 s
